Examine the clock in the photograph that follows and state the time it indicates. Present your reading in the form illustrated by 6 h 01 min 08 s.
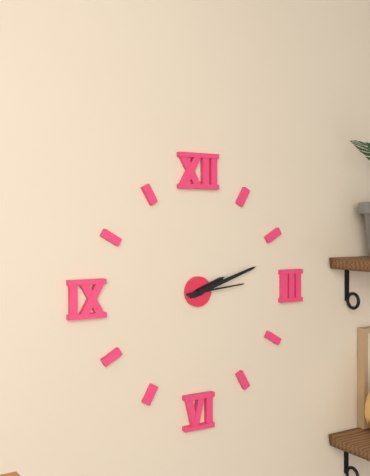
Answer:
2 h 12 min 14 s
